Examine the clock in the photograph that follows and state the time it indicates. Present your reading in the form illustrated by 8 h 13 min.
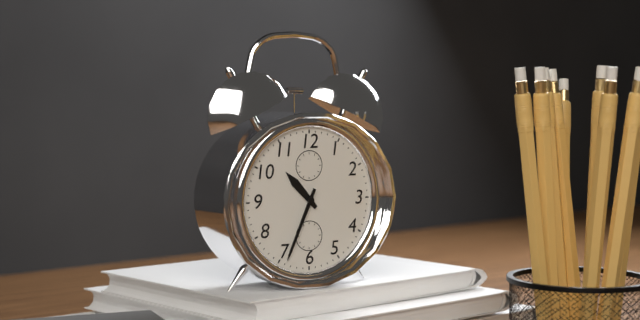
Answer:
10 h 34 min
